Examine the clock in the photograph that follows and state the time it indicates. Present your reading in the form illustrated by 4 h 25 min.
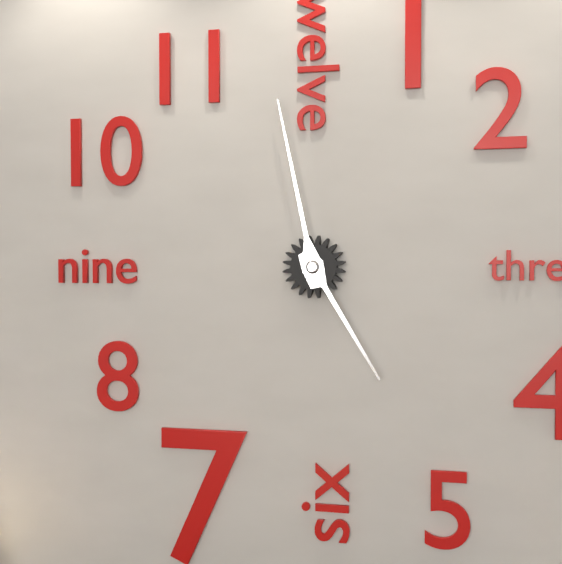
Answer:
4 h 58 min
